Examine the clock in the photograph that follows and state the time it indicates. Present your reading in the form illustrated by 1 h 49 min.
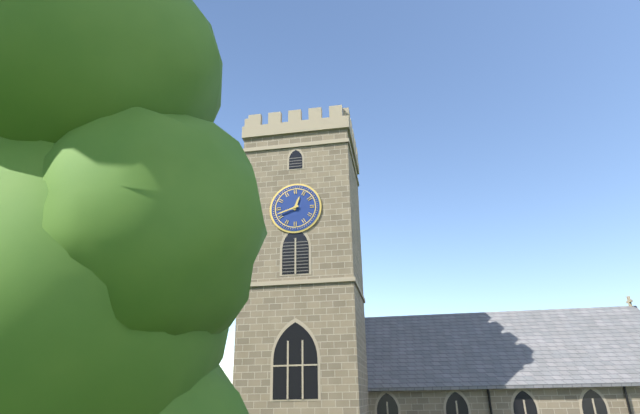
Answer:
12 h 42 min
